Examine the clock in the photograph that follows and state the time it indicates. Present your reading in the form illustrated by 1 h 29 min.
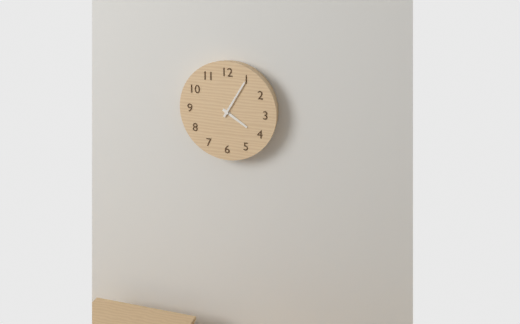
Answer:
4 h 05 min
